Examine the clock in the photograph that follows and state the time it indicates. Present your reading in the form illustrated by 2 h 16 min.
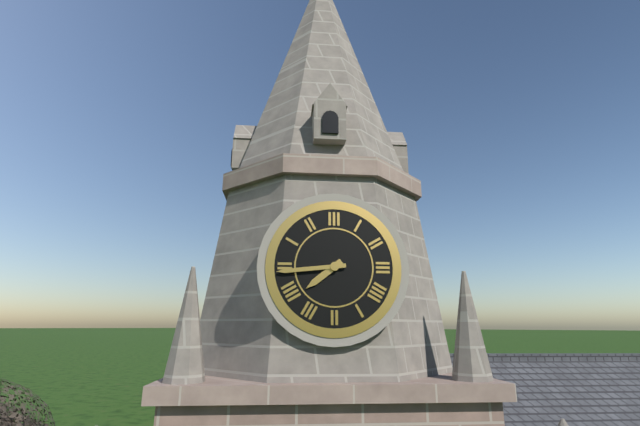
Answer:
7 h 44 min
